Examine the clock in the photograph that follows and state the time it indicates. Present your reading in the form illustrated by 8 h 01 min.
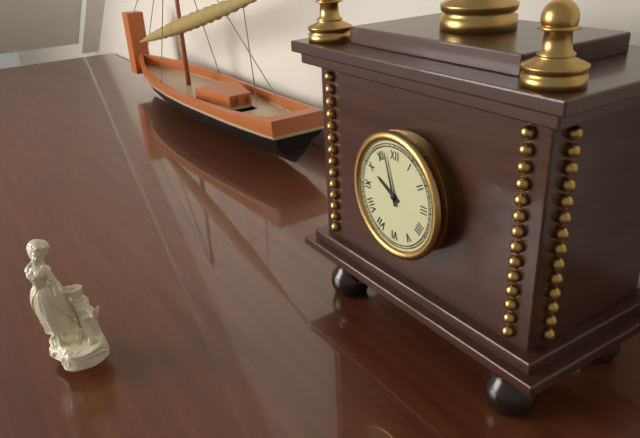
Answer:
9 h 57 min
